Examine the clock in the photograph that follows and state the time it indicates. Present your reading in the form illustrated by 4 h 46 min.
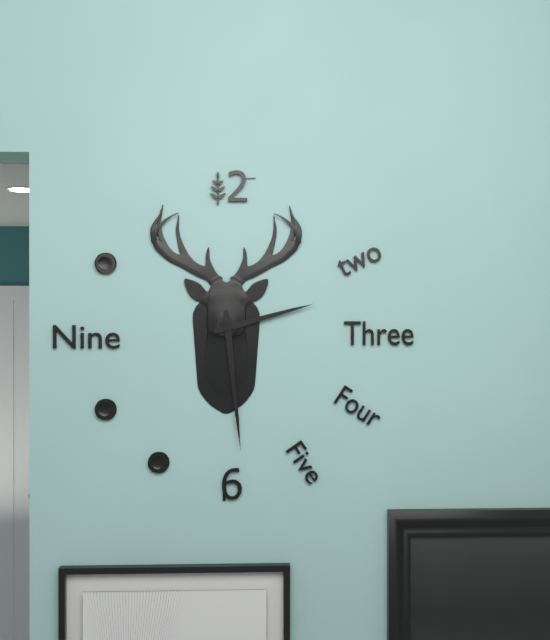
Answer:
2 h 29 min
